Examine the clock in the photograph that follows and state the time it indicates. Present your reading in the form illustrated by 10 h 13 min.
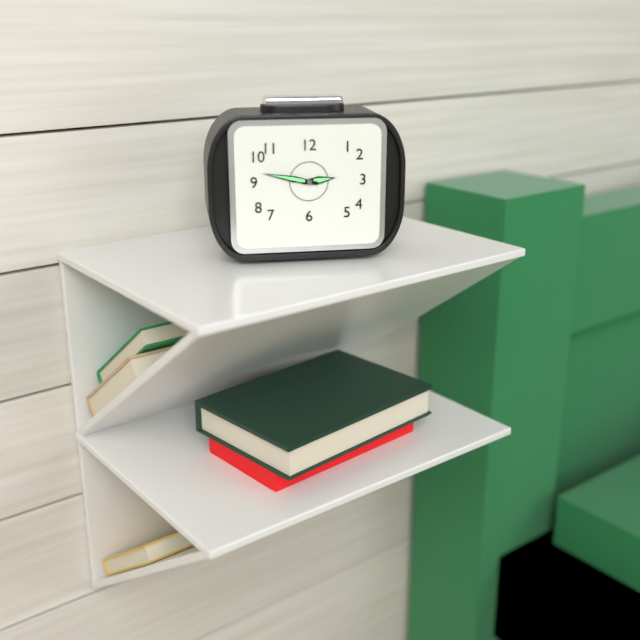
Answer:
2 h 47 min
